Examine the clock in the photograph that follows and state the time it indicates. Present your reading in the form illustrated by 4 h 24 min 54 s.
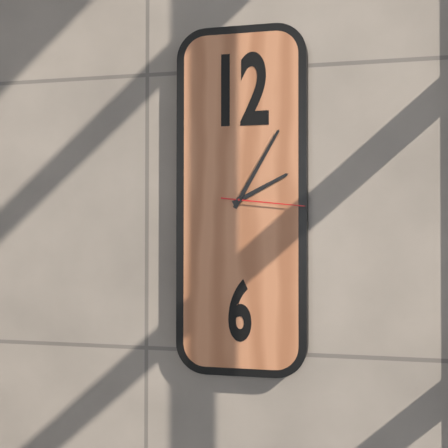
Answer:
2 h 05 min 16 s
